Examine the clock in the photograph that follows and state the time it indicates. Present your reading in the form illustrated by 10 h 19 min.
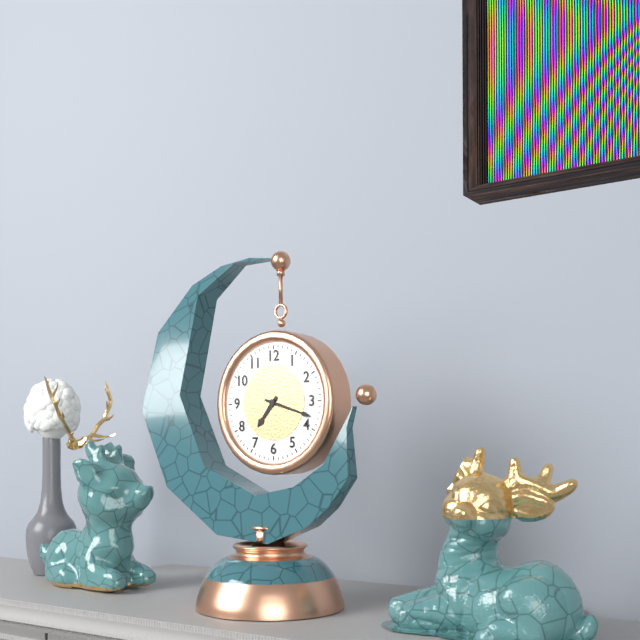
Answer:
7 h 18 min
